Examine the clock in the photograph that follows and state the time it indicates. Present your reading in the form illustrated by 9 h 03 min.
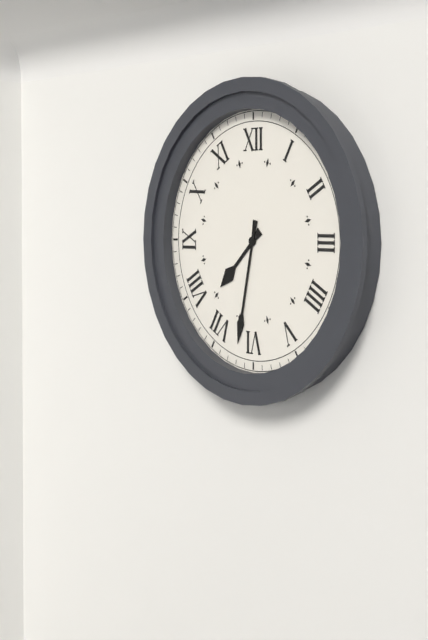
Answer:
7 h 32 min
